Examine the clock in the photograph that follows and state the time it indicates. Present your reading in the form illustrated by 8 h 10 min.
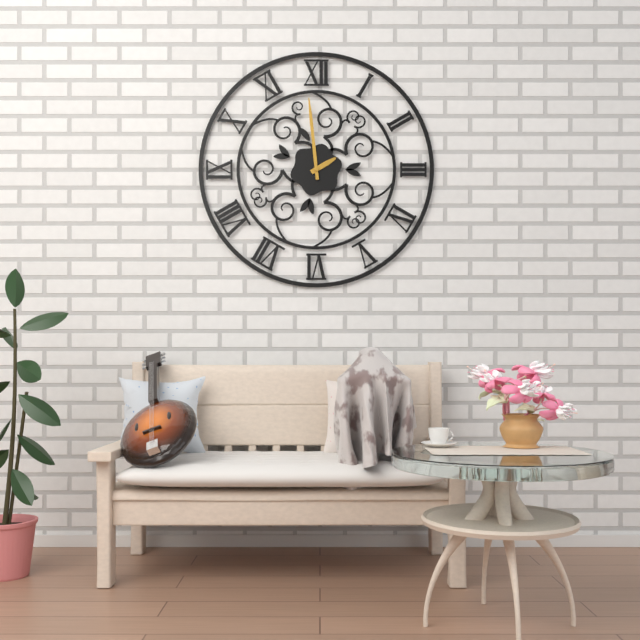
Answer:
1 h 59 min
